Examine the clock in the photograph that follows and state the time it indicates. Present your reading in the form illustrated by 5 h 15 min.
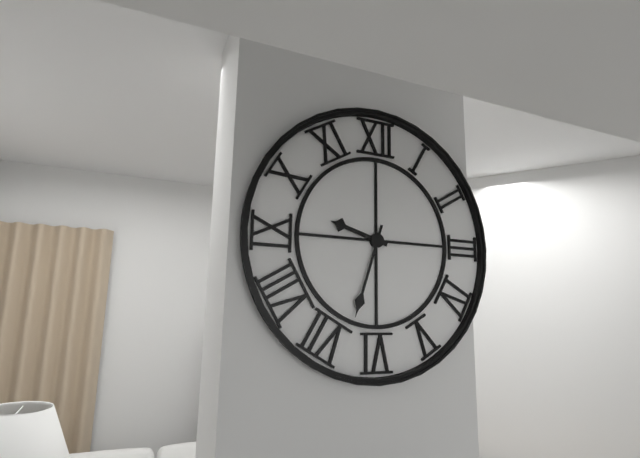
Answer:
9 h 33 min
